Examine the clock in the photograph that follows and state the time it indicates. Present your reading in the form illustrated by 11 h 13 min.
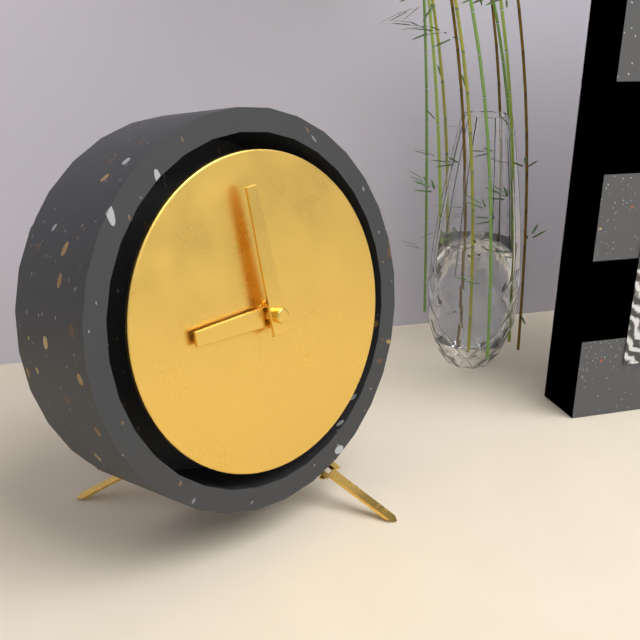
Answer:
8 h 59 min
